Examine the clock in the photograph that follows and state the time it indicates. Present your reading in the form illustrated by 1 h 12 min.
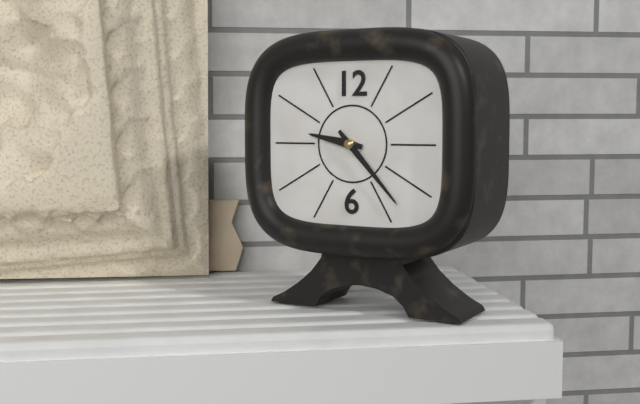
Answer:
9 h 23 min
